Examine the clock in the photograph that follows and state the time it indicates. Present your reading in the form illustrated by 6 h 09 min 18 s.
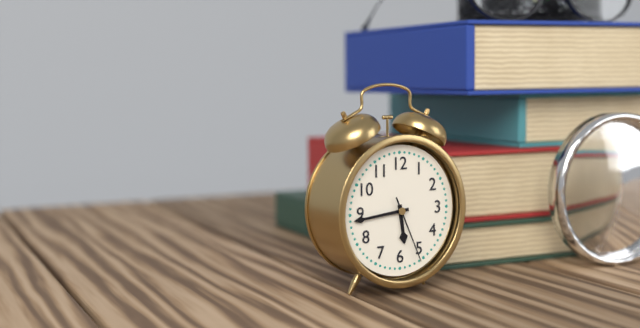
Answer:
5 h 44 min 26 s
